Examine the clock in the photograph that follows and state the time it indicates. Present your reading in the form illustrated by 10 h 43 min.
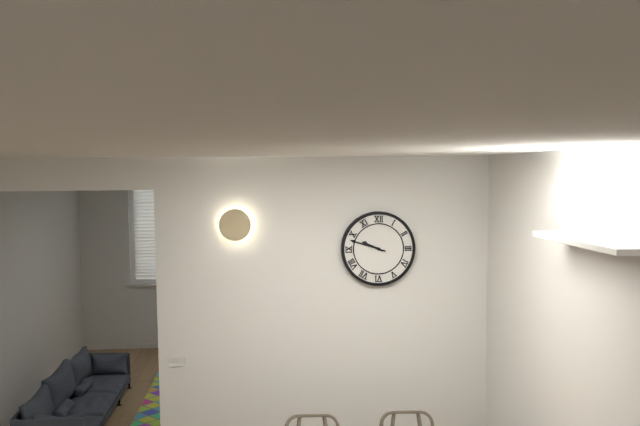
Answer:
9 h 48 min
